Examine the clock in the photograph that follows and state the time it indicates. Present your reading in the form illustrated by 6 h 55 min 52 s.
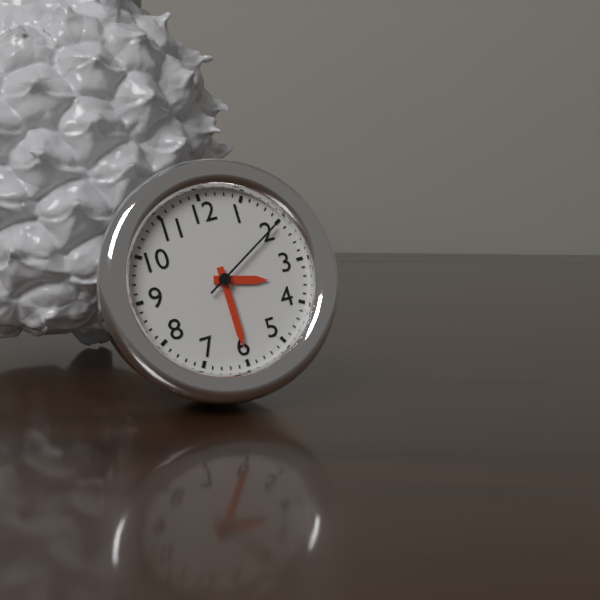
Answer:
3 h 30 min 10 s
